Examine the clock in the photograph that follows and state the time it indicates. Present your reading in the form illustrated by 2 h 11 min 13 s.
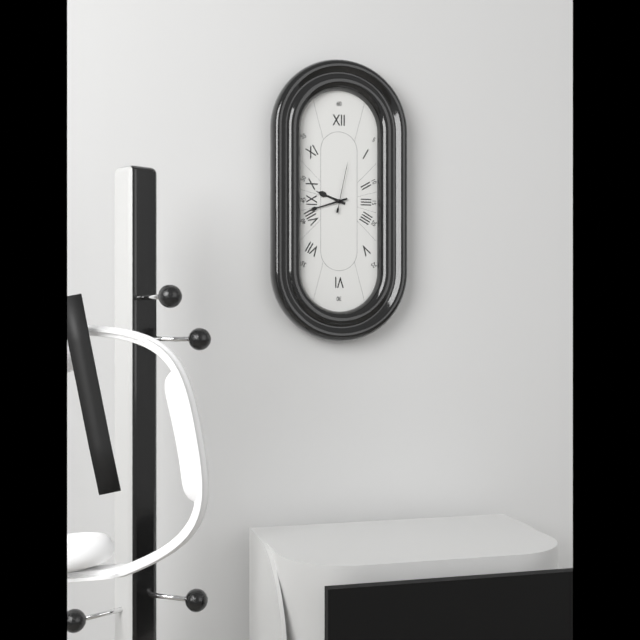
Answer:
9 h 42 min 02 s
